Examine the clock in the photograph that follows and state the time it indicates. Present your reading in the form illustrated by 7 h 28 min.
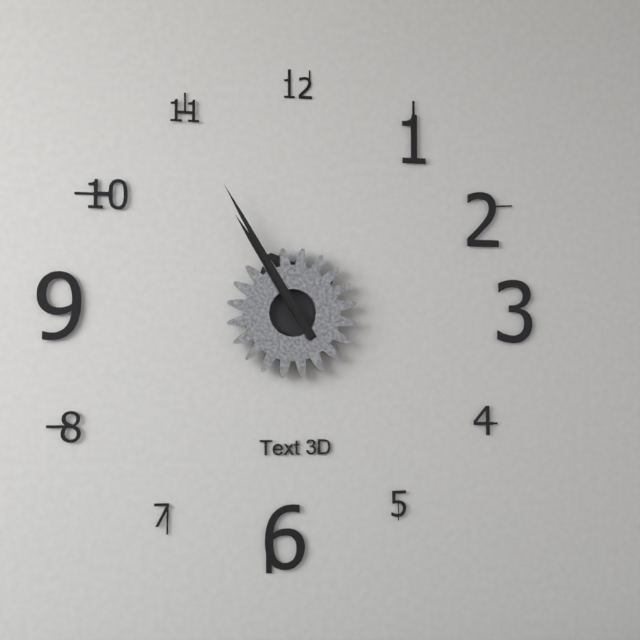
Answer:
10 h 55 min
